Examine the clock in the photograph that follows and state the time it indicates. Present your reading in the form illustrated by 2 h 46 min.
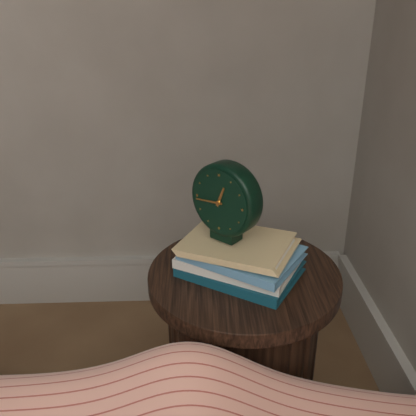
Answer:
12 h 44 min
